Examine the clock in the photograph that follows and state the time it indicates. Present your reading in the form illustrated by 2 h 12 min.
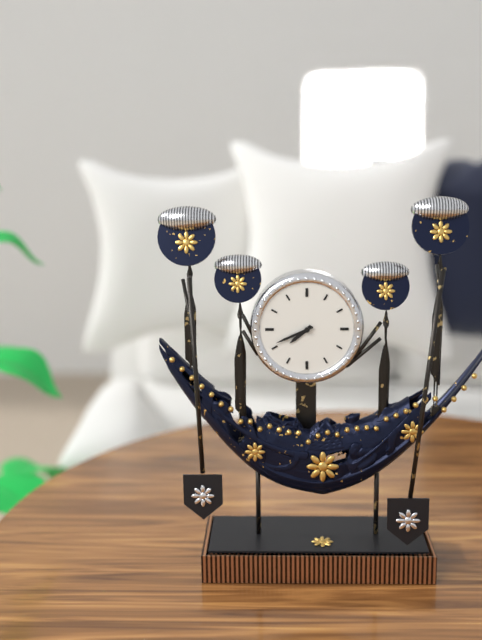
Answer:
7 h 41 min
